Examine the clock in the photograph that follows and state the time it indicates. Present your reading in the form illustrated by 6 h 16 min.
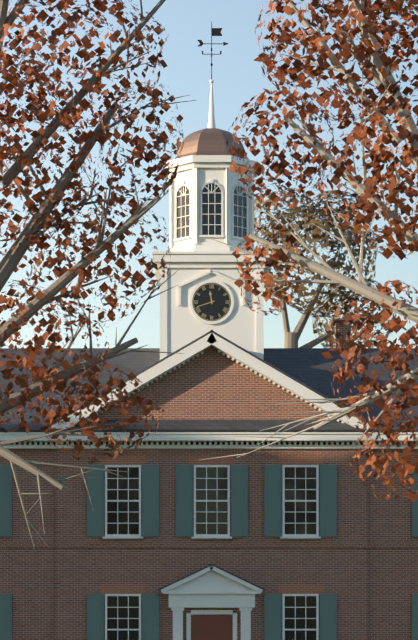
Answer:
11 h 42 min
